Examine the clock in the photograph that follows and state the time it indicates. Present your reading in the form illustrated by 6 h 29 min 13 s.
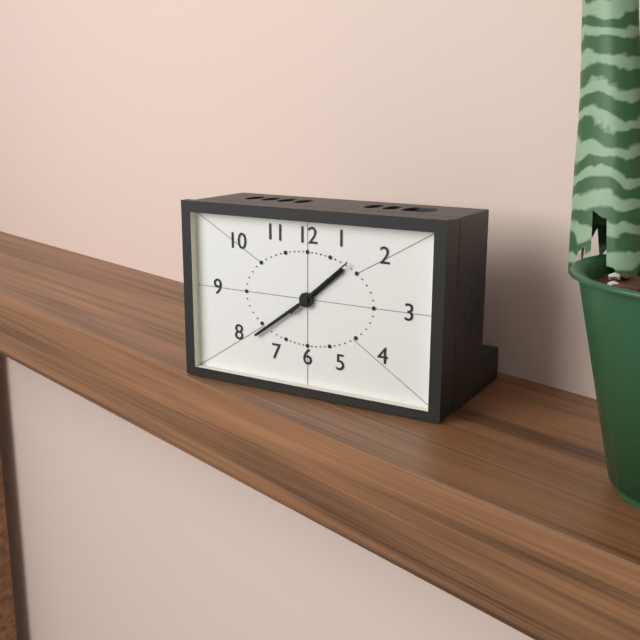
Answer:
1 h 39 min 08 s
